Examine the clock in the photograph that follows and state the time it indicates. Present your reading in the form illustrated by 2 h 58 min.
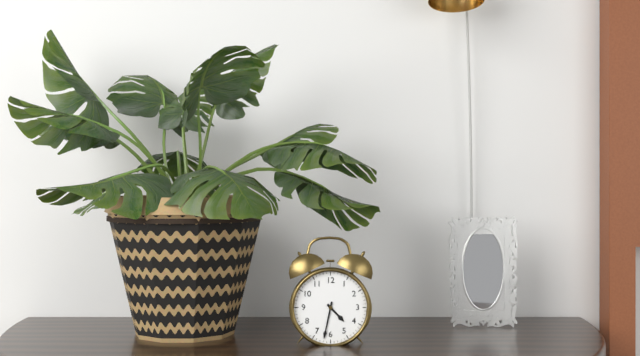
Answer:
4 h 32 min
